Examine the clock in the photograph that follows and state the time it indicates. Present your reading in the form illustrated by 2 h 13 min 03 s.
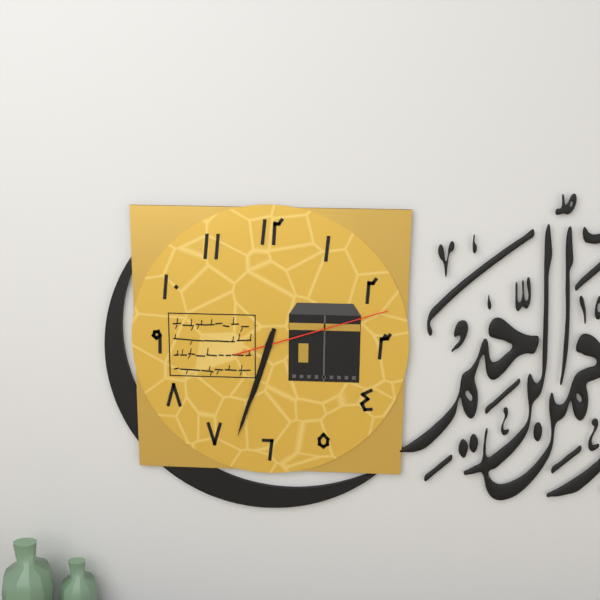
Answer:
6 h 33 min 12 s
